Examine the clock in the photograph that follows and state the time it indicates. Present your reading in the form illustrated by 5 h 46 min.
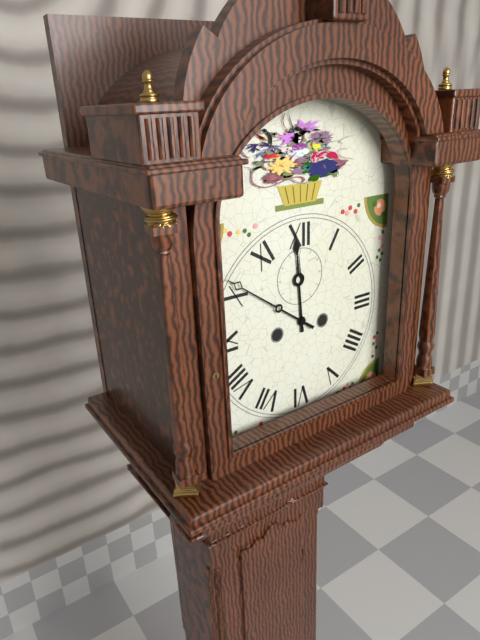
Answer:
11 h 51 min
